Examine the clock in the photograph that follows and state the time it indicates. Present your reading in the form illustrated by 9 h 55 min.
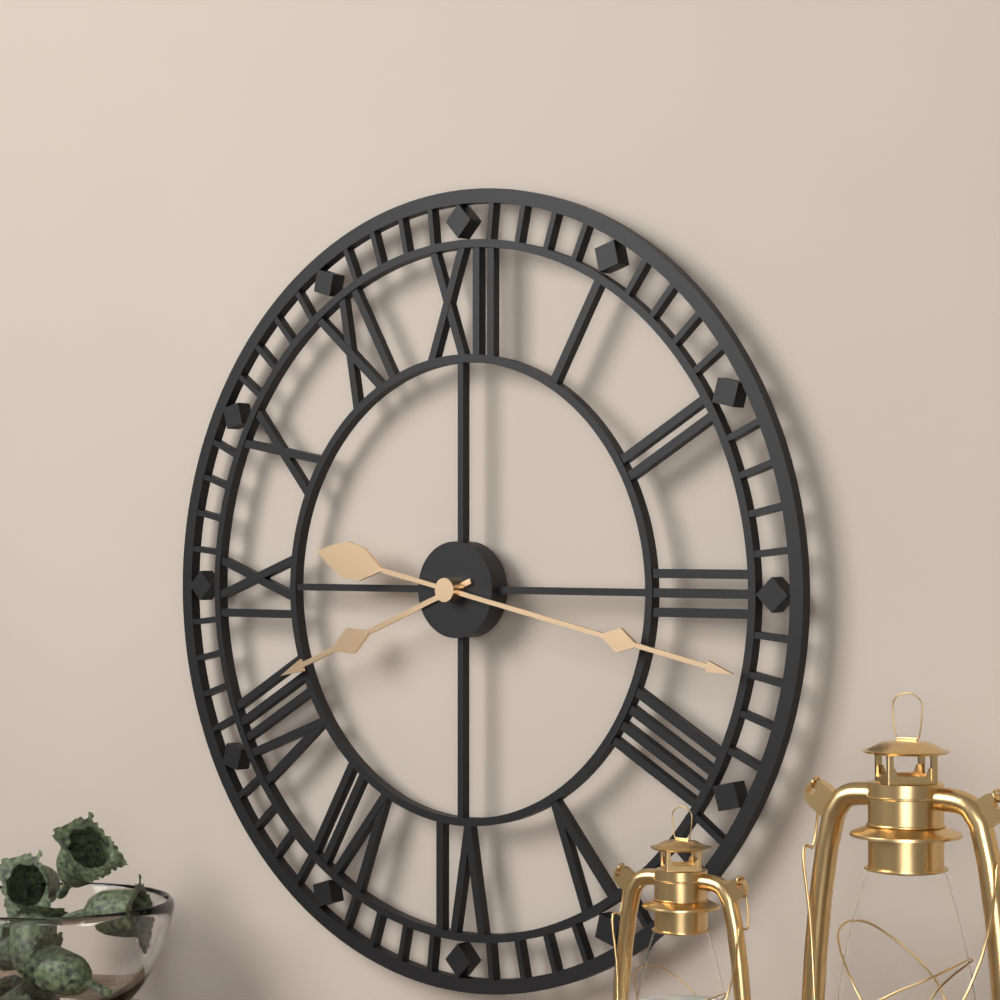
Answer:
8 h 17 min
